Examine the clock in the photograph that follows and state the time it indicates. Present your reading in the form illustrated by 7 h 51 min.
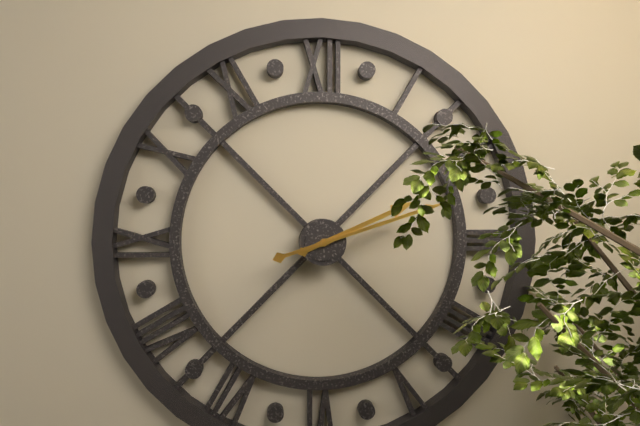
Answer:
2 h 12 min
